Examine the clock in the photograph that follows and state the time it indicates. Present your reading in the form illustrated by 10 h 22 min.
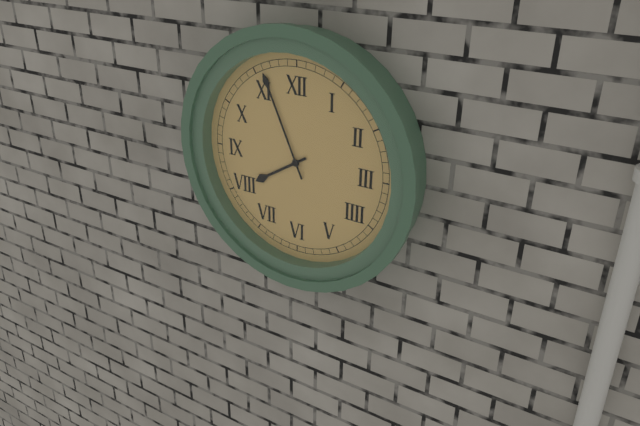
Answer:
7 h 56 min
